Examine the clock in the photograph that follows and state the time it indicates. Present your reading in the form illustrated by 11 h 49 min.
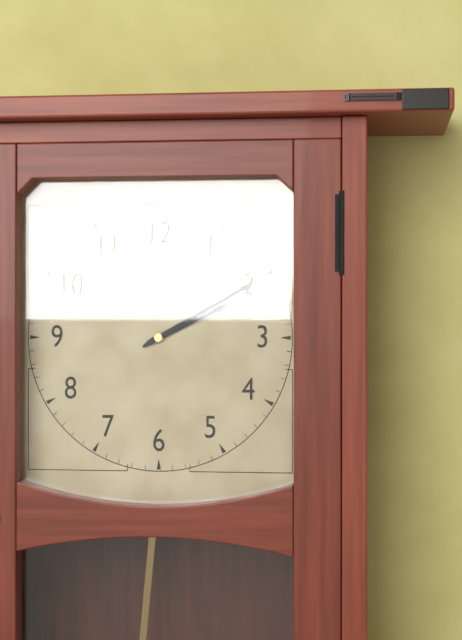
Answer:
2 h 10 min
